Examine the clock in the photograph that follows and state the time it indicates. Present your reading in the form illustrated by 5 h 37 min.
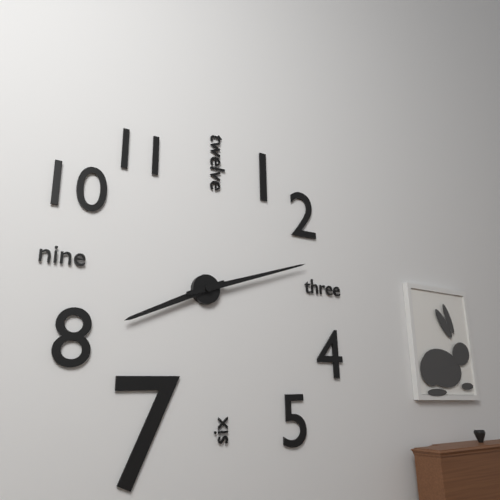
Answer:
8 h 12 min
